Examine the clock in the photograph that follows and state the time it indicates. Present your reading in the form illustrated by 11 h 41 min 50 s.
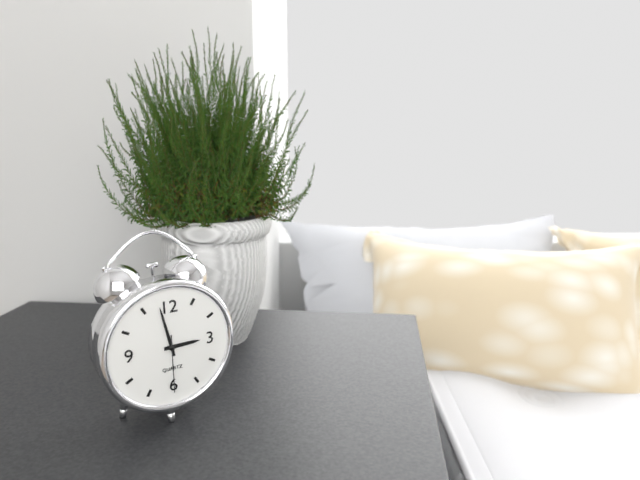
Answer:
2 h 58 min 30 s
